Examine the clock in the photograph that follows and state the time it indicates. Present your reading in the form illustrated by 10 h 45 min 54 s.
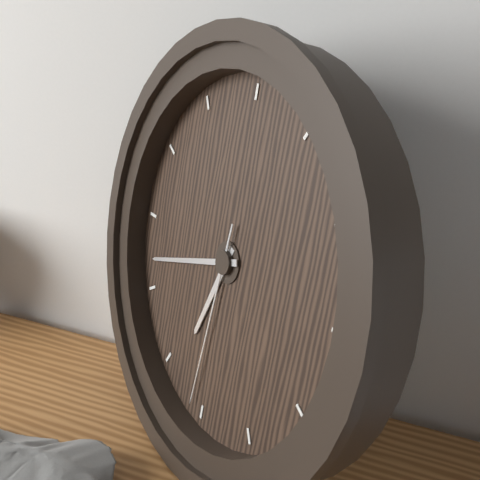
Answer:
6 h 42 min 31 s
